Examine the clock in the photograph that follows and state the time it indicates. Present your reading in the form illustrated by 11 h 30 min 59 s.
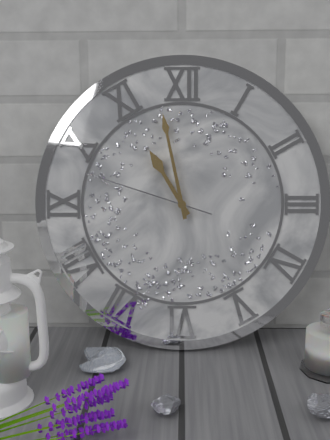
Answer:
10 h 58 min 48 s
